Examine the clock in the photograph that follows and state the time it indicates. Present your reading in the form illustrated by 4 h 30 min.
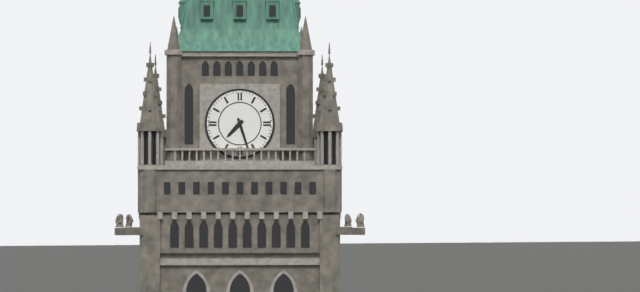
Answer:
7 h 27 min
